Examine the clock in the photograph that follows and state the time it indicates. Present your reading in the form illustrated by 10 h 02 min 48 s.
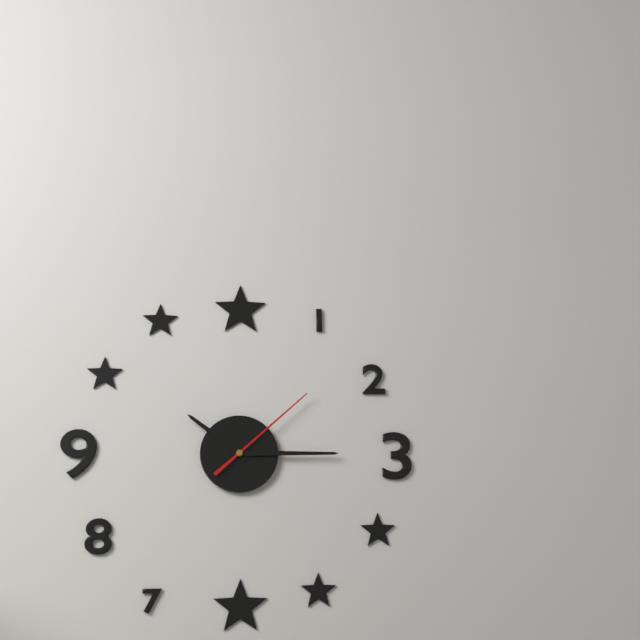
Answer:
10 h 15 min 08 s
